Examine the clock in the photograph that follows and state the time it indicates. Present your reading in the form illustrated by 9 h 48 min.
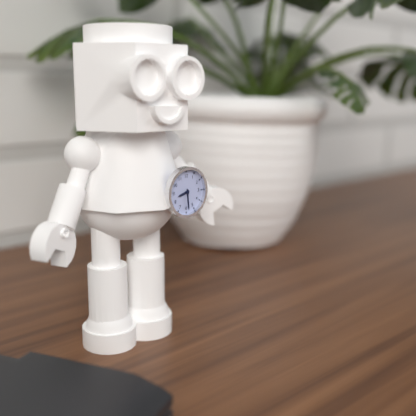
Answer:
8 h 29 min
